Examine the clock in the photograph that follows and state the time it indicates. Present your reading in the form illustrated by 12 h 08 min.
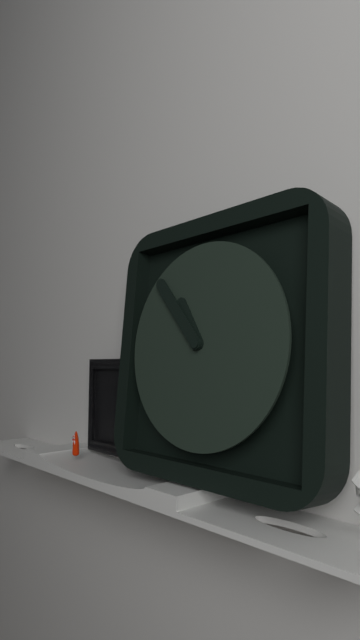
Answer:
10 h 53 min
